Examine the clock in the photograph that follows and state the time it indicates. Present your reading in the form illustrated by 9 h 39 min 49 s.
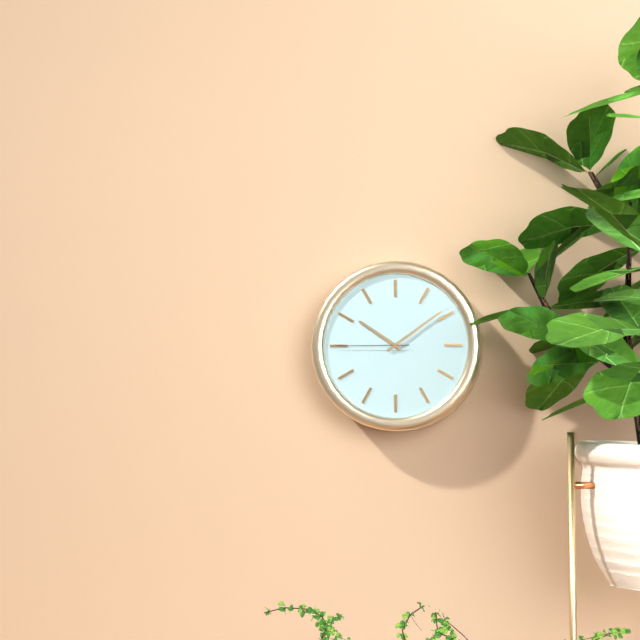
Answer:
10 h 09 min 45 s
